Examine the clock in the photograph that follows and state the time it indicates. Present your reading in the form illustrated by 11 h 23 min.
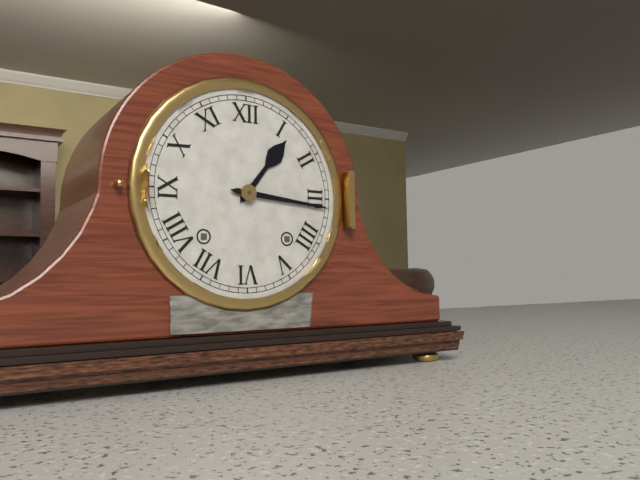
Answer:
1 h 16 min
